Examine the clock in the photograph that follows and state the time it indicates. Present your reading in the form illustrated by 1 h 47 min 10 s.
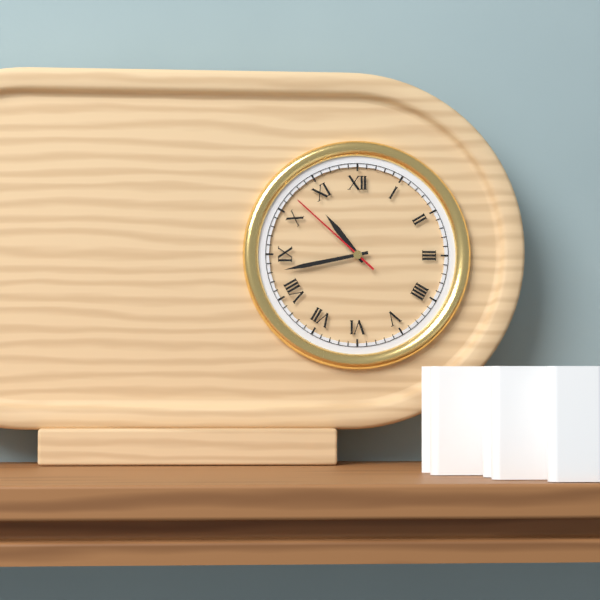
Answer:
10 h 43 min 52 s
